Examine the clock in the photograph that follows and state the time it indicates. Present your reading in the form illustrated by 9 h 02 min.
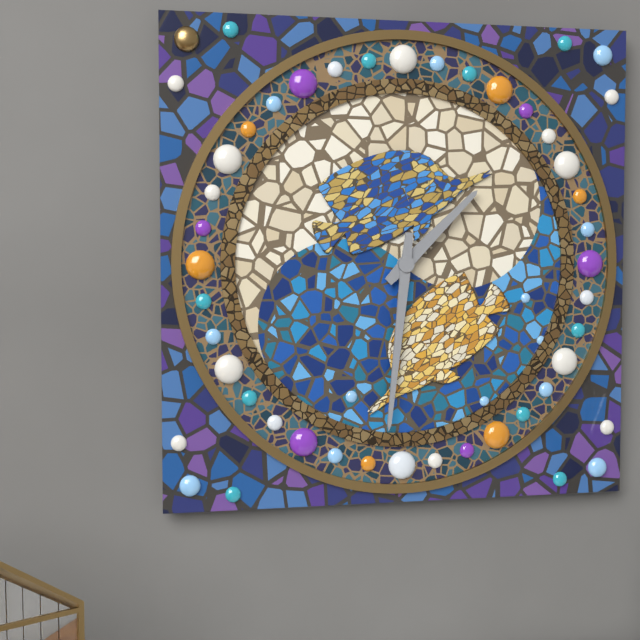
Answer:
1 h 31 min
